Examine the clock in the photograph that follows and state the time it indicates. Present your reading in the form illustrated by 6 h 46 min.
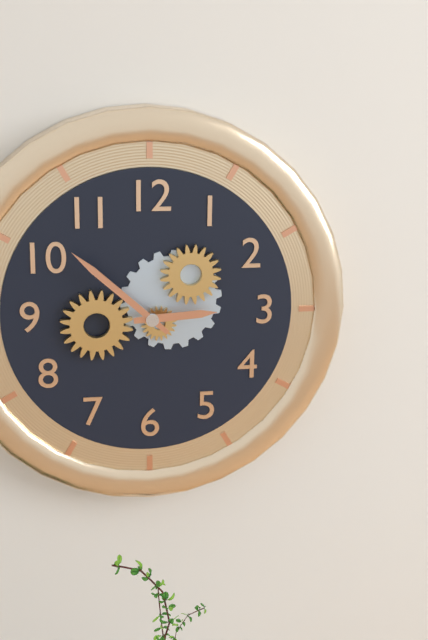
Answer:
2 h 52 min
